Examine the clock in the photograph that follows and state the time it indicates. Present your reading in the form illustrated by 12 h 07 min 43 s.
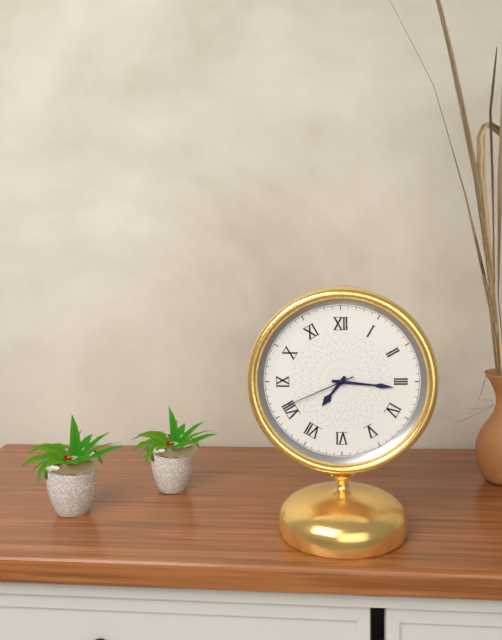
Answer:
7 h 16 min 41 s
